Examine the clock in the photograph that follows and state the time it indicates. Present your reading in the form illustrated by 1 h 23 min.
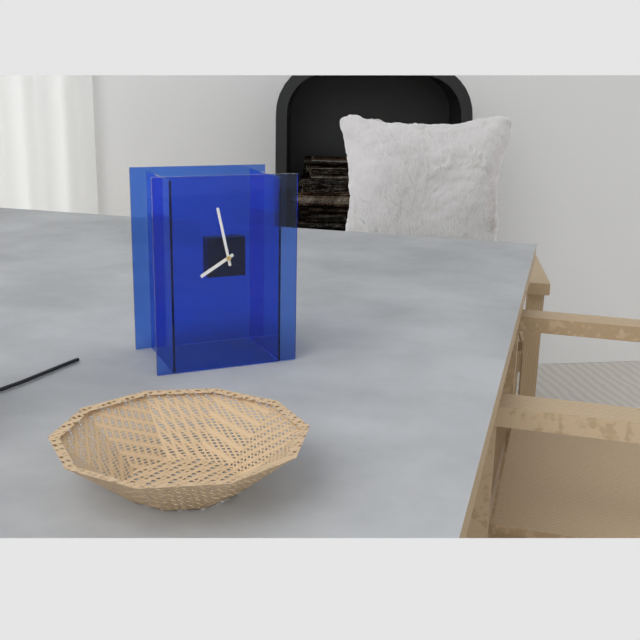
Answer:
7 h 58 min
